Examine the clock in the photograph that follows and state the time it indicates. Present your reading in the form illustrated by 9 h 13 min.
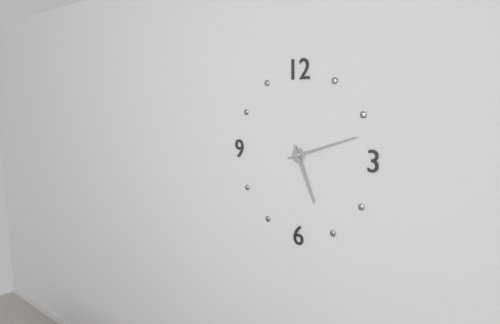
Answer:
5 h 12 min
